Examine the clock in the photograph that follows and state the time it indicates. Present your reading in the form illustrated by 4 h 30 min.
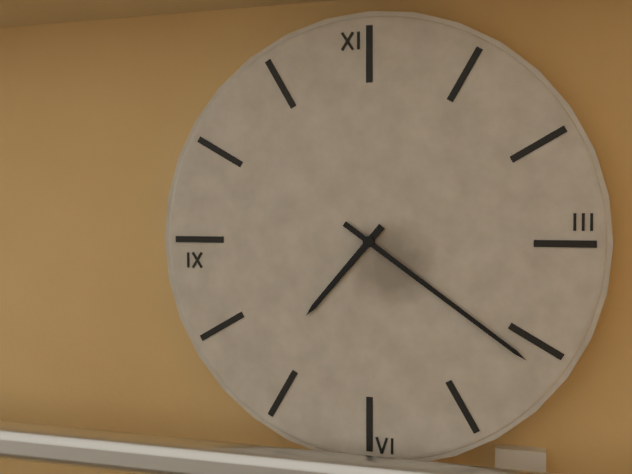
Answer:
7 h 21 min
